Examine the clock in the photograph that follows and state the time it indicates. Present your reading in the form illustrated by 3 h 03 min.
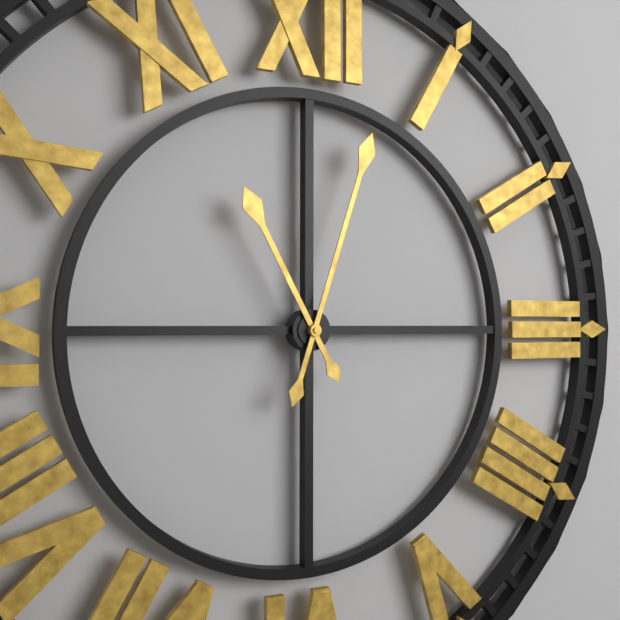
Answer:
11 h 03 min
